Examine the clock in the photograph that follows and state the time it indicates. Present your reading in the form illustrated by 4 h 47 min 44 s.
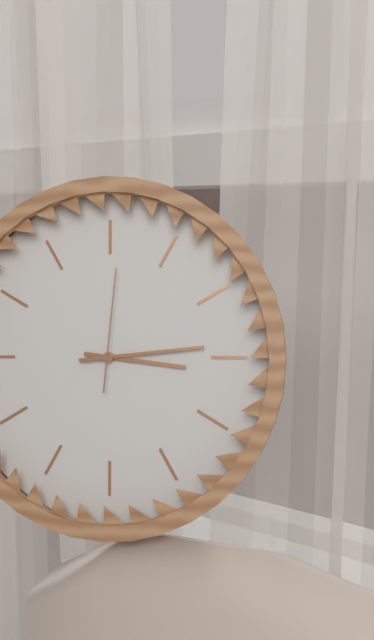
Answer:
3 h 14 min 01 s
